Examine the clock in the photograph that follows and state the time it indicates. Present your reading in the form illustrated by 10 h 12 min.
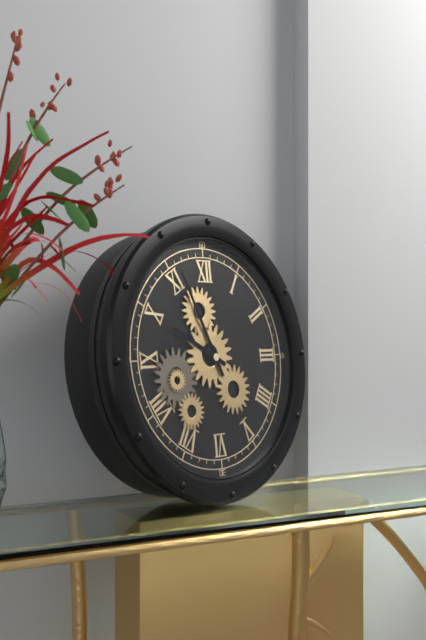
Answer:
9 h 56 min
